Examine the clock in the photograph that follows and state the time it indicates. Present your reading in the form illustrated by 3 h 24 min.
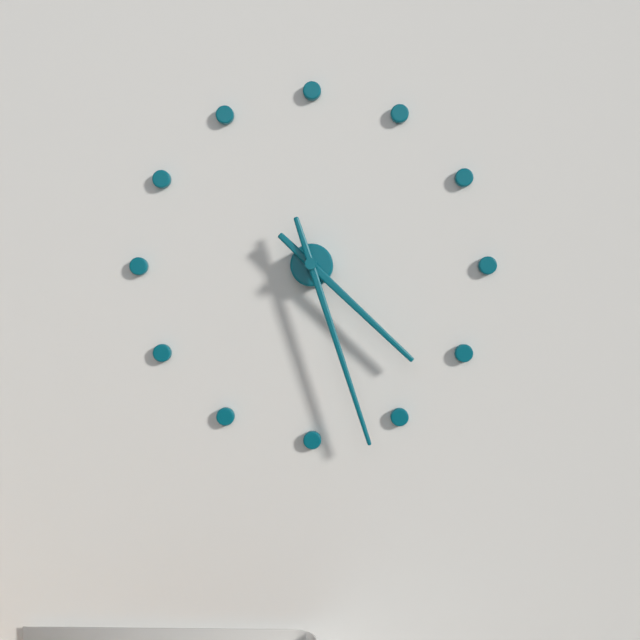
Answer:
4 h 27 min
